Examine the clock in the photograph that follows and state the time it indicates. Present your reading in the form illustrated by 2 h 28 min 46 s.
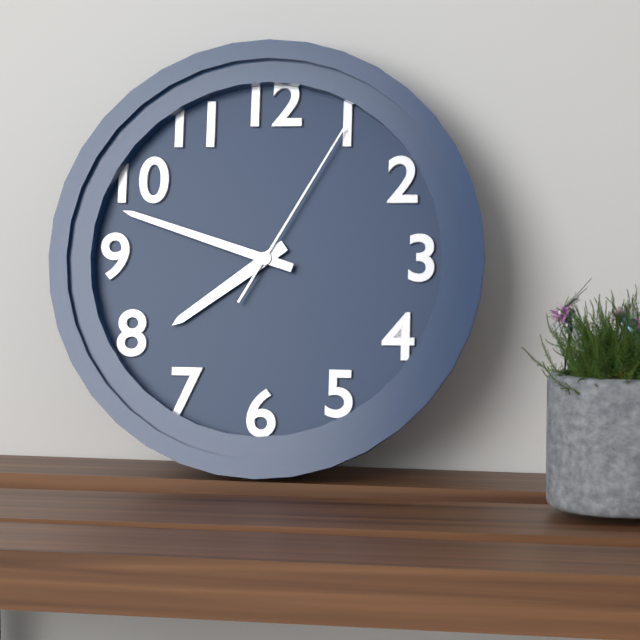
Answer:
7 h 48 min 05 s
